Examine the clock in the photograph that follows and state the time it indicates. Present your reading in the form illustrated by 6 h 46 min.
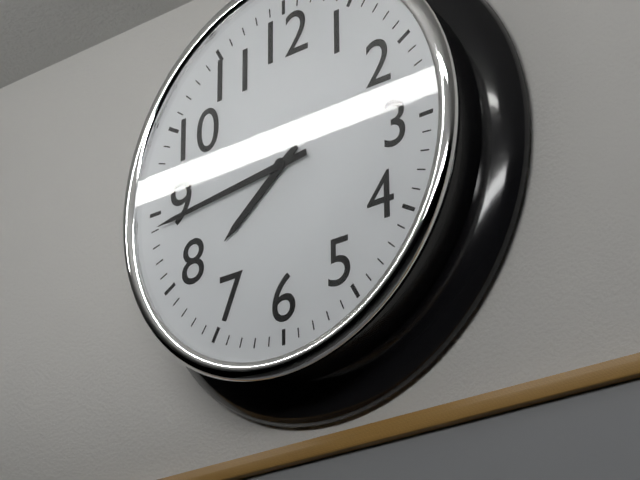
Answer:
7 h 44 min
